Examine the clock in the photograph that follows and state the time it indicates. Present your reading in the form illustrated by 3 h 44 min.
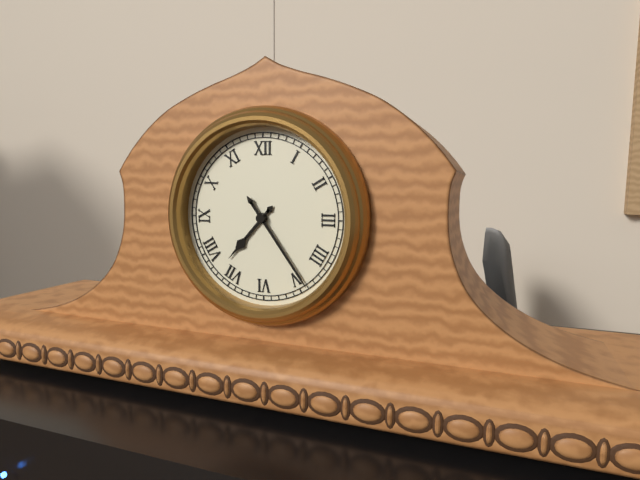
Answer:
7 h 24 min
